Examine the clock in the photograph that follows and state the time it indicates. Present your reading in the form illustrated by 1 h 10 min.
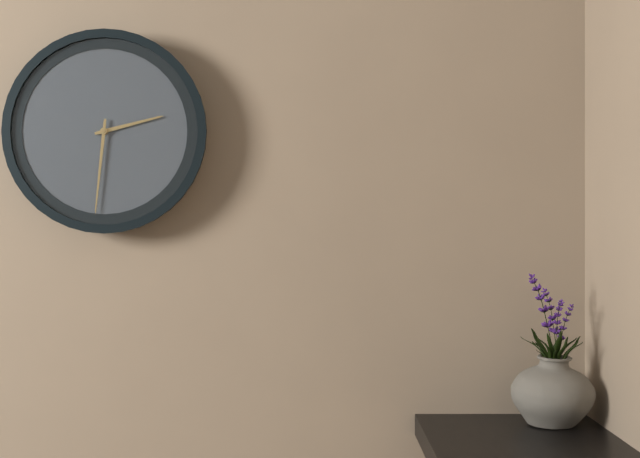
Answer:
2 h 31 min
